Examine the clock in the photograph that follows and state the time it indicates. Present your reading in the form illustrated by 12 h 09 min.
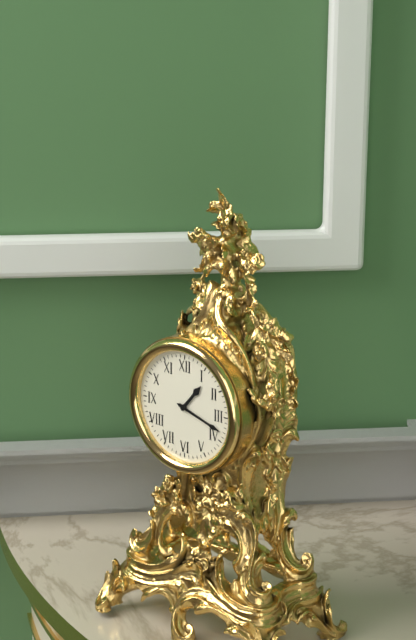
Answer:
1 h 18 min
